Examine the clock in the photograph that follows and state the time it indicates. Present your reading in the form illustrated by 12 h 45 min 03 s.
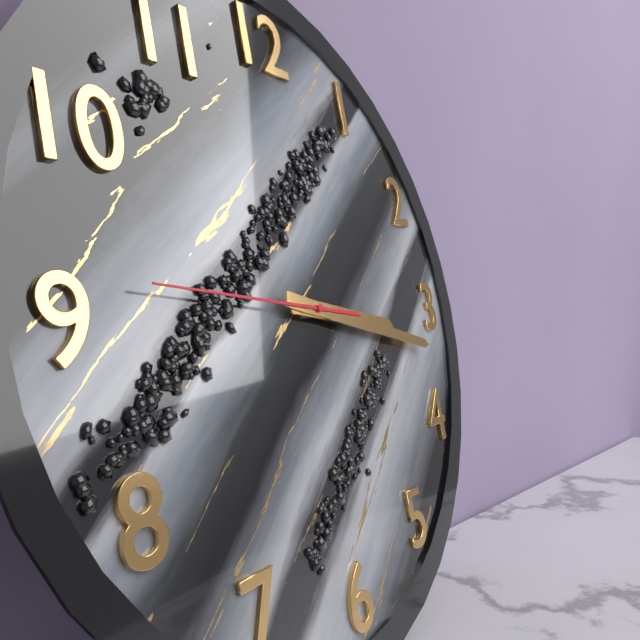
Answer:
3 h 17 min 46 s
